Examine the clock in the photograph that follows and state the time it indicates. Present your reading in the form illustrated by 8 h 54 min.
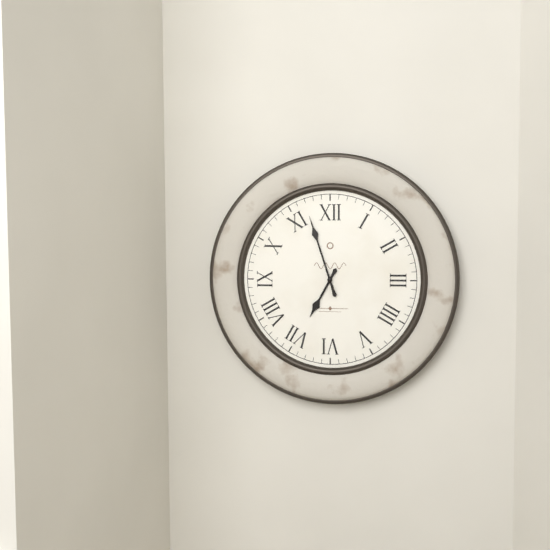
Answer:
6 h 57 min
